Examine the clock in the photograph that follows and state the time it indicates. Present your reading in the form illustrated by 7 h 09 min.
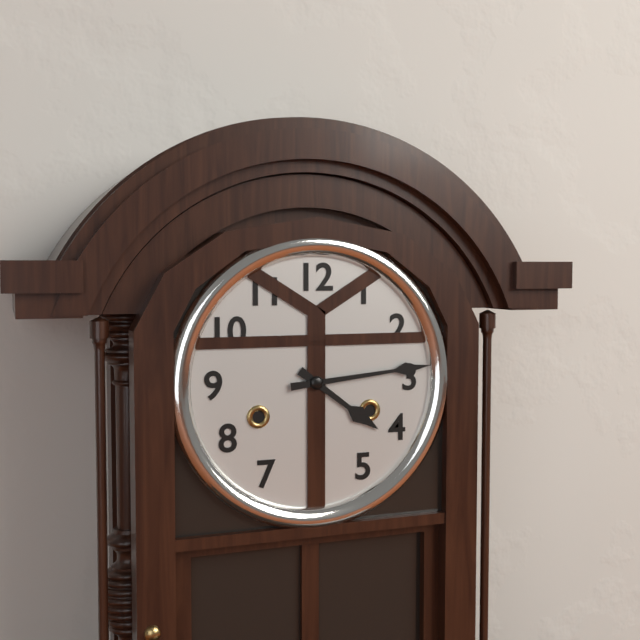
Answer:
4 h 14 min
